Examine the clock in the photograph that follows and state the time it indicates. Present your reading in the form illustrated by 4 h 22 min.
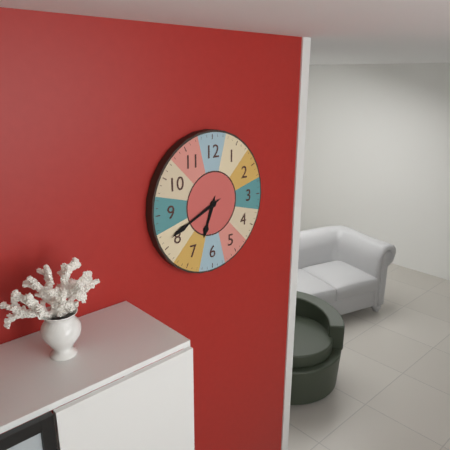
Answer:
6 h 41 min
